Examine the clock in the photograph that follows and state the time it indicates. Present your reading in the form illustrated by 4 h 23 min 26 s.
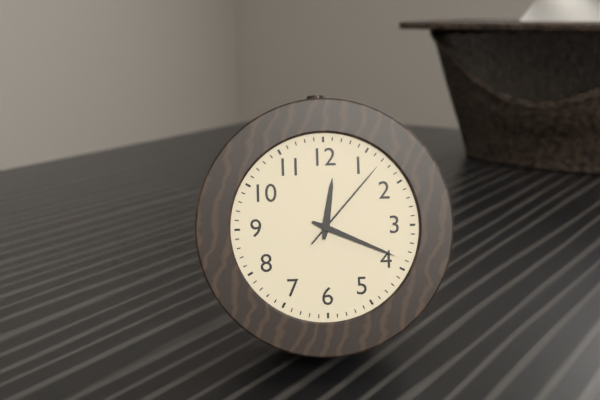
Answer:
12 h 19 min 07 s
